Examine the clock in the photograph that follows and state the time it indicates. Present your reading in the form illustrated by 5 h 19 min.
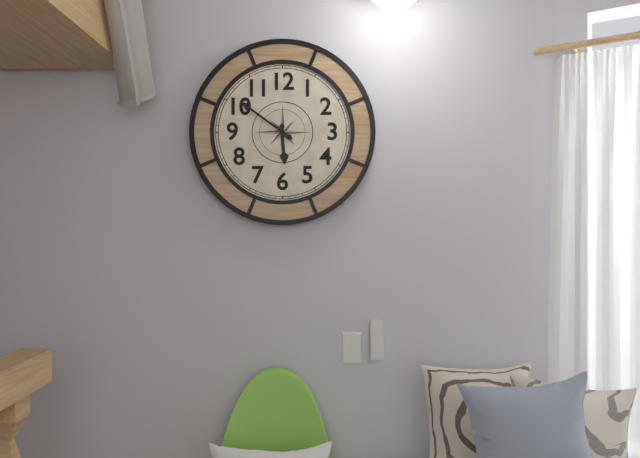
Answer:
5 h 51 min
